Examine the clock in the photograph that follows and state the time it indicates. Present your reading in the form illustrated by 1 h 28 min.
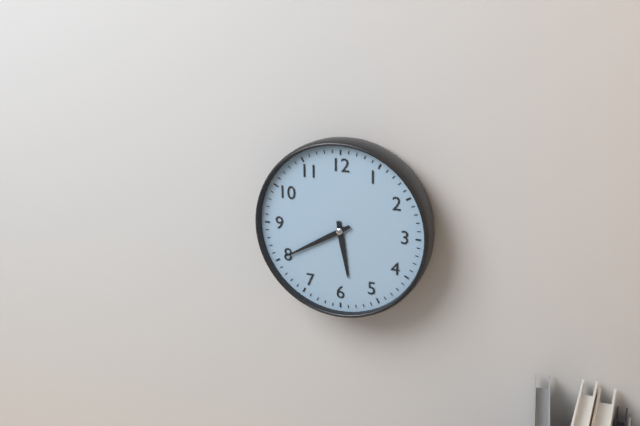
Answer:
5 h 40 min
